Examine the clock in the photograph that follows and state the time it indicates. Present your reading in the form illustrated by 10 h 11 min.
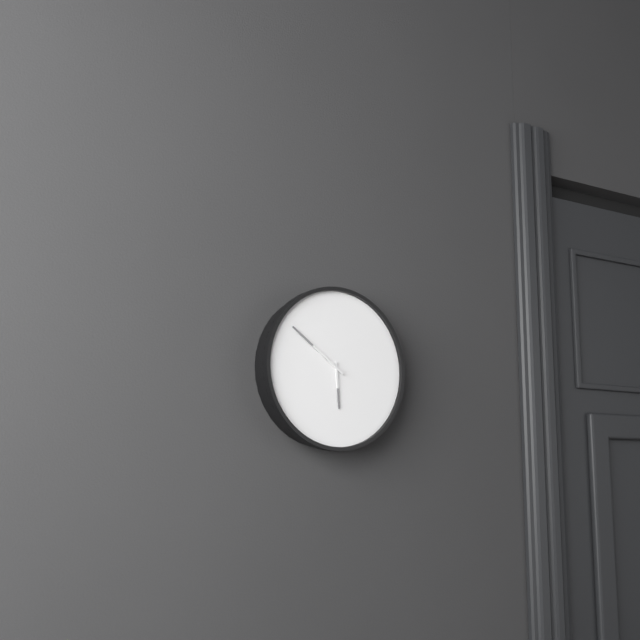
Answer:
5 h 51 min
